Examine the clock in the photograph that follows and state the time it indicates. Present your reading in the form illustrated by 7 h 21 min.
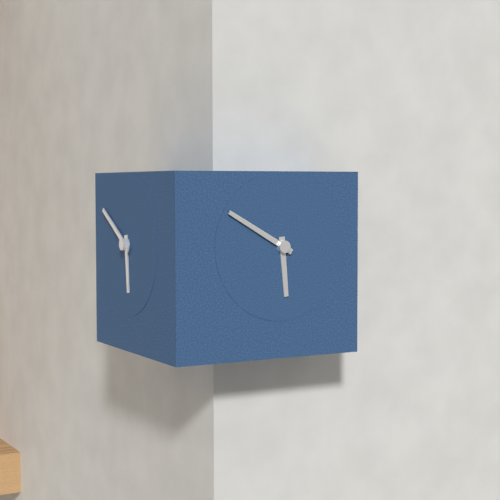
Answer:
5 h 50 min
